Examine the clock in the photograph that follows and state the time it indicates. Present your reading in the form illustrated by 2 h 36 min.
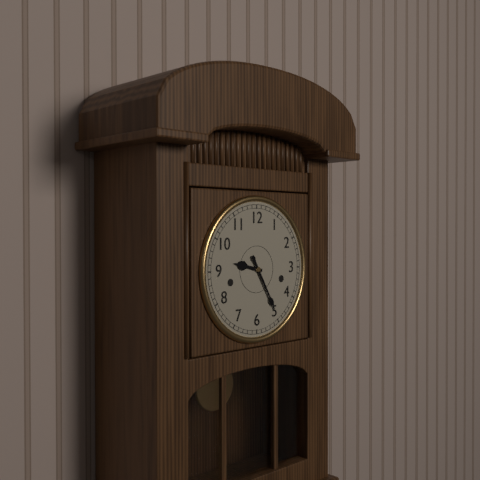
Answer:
9 h 25 min
